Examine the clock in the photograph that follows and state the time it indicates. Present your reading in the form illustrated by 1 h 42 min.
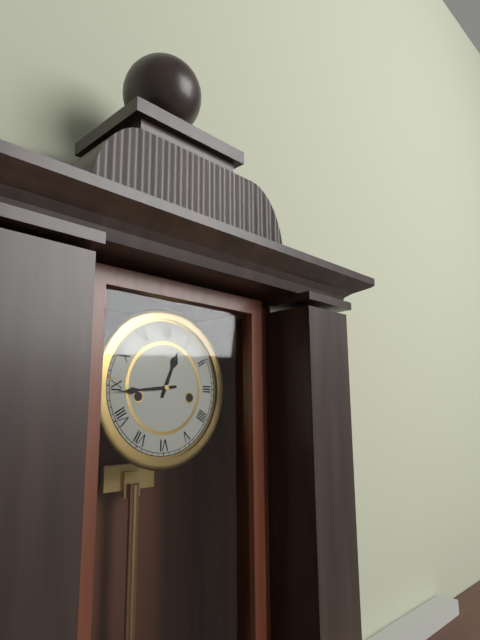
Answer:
12 h 44 min
